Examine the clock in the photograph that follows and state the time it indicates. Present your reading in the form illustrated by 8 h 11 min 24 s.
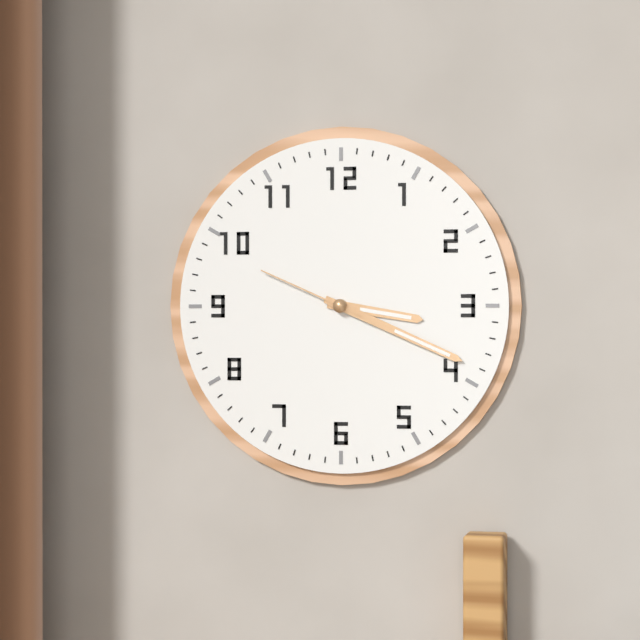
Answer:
3 h 19 min 49 s
